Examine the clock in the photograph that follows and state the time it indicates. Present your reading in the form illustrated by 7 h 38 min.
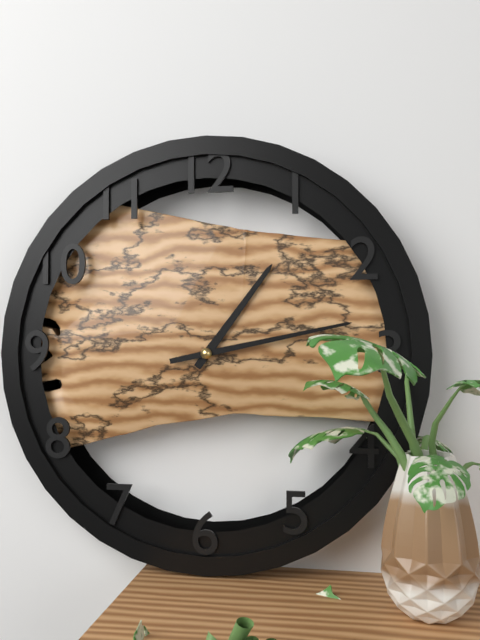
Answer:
1 h 13 min
